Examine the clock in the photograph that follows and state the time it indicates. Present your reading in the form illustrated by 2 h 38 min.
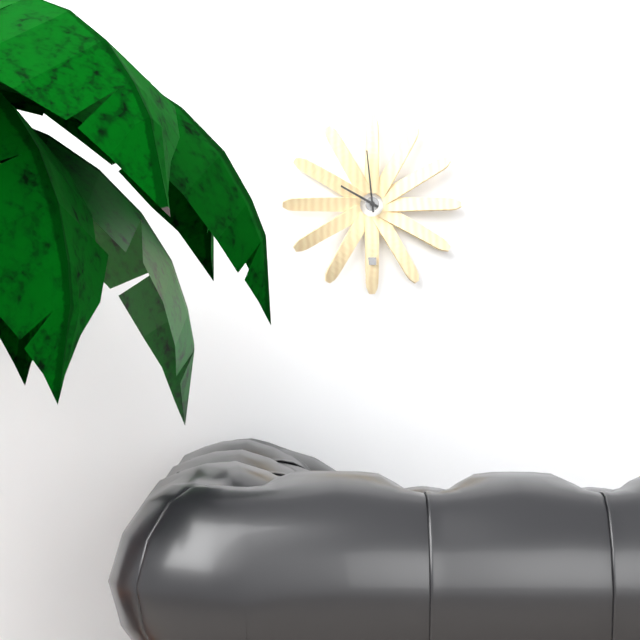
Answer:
9 h 59 min
